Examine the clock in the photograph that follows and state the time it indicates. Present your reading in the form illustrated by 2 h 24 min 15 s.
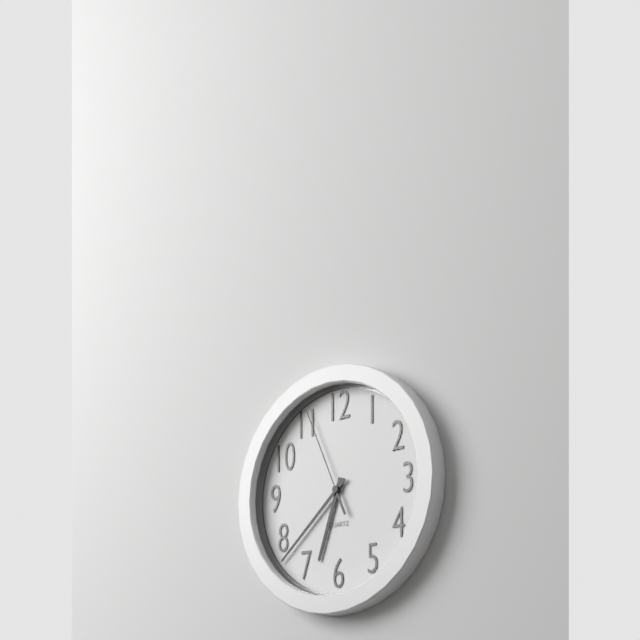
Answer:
6 h 38 min 56 s
